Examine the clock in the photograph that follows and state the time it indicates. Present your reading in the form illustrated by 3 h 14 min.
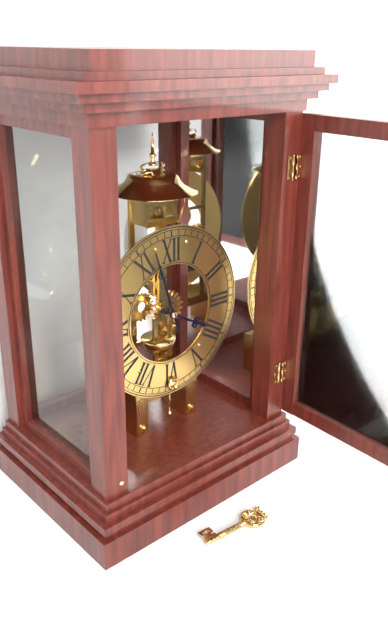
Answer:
3 h 57 min
